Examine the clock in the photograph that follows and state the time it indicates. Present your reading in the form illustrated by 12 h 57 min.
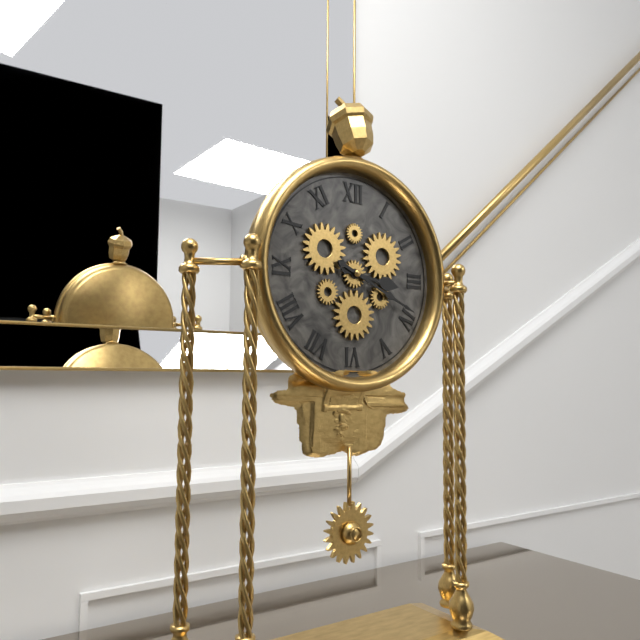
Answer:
3 h 19 min
